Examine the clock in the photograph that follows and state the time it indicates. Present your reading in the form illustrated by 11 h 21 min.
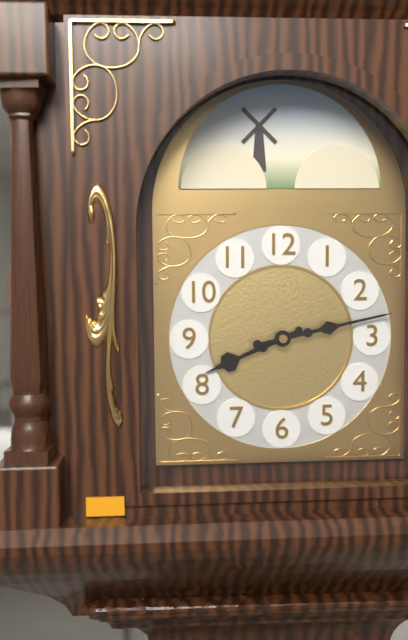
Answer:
8 h 13 min
